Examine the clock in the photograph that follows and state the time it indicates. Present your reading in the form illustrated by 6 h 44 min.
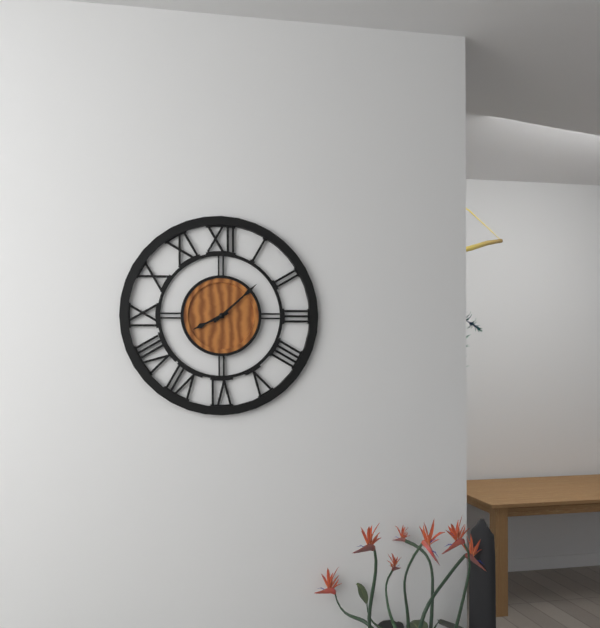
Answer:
8 h 08 min
